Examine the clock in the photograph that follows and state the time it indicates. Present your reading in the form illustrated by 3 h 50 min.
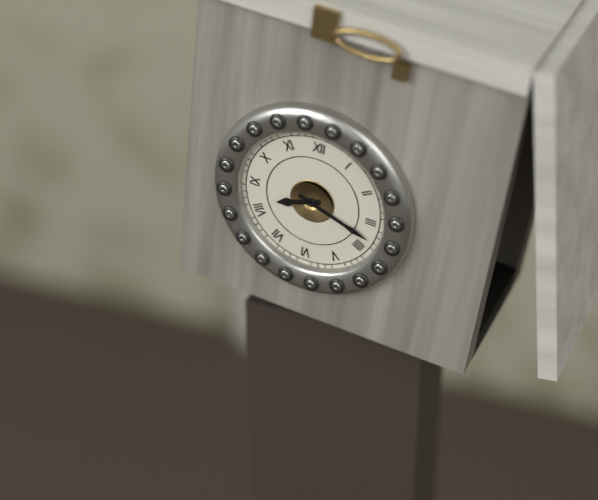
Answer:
8 h 18 min
